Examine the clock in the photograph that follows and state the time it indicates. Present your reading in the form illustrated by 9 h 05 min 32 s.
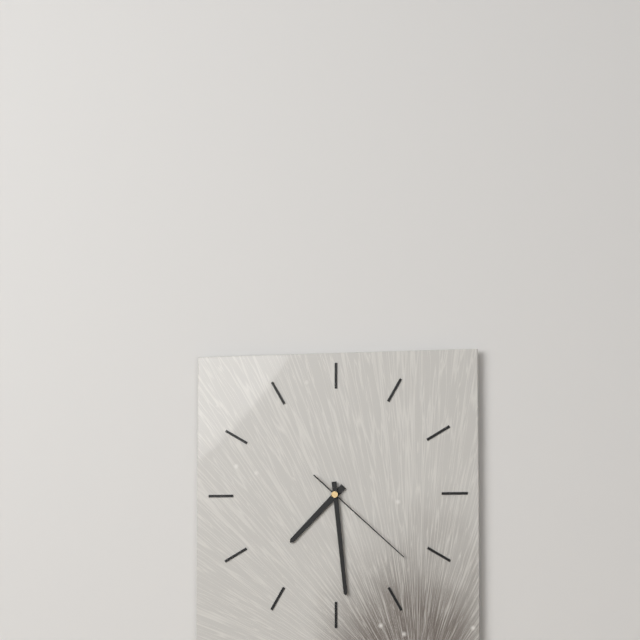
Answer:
7 h 29 min 22 s
